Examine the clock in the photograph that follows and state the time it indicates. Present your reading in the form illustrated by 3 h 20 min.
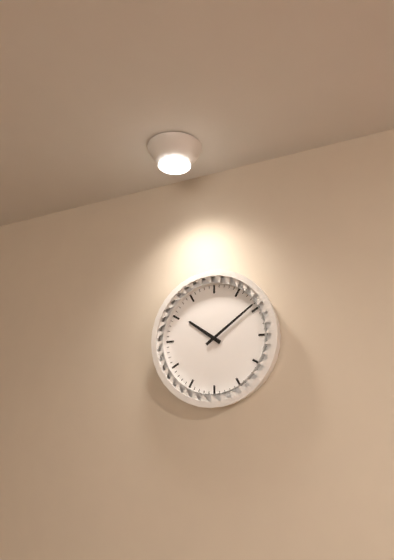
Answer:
10 h 09 min
